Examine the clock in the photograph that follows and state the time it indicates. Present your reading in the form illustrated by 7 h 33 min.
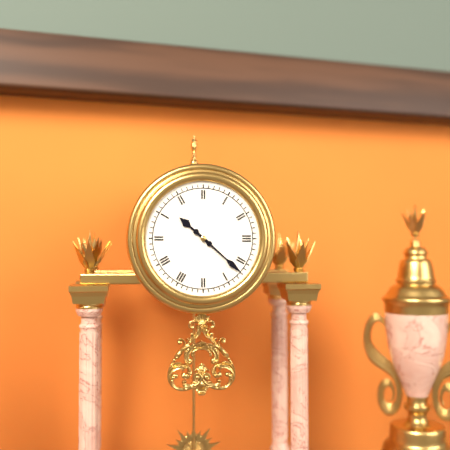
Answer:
10 h 22 min
